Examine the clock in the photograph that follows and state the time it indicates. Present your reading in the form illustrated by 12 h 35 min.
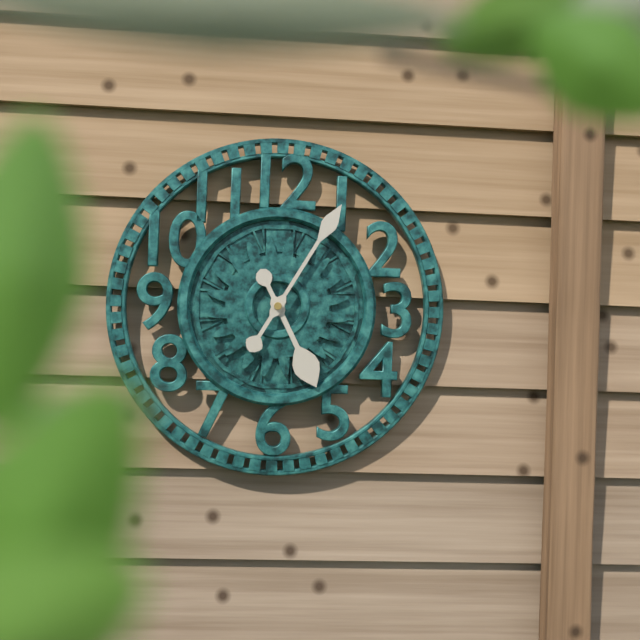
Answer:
5 h 05 min
